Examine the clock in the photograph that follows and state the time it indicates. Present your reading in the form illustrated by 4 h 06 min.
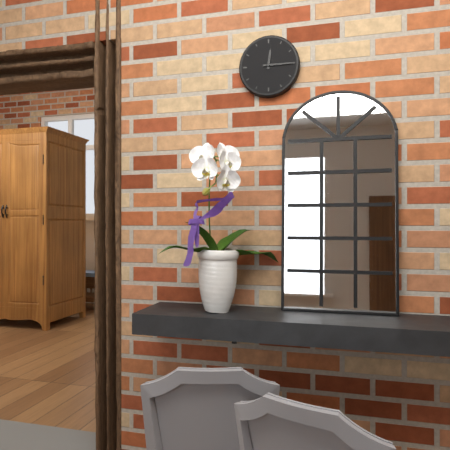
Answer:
12 h 15 min
